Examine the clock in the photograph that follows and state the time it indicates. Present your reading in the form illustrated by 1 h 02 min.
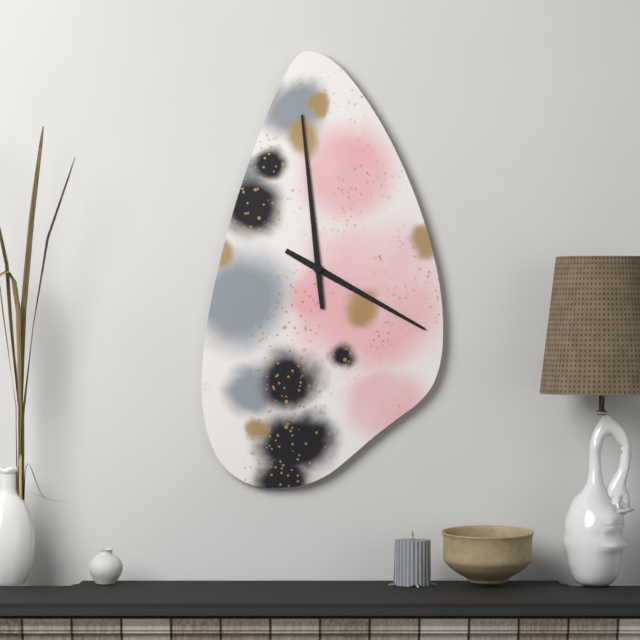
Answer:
3 h 59 min
